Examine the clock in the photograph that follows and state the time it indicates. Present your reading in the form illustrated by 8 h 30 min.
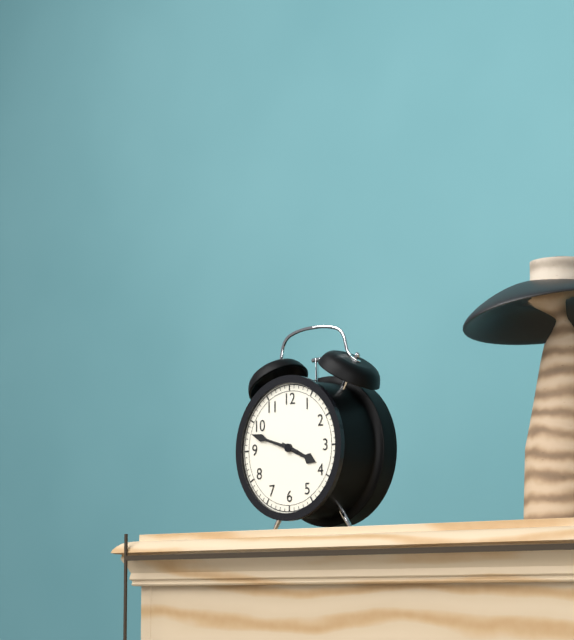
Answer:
3 h 48 min
